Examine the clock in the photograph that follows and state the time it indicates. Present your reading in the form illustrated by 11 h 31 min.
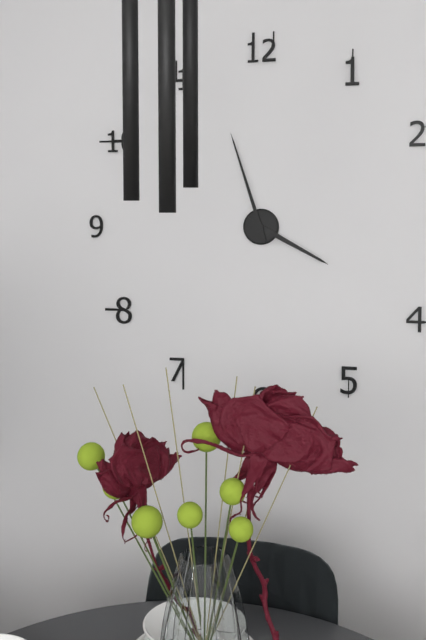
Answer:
3 h 57 min
